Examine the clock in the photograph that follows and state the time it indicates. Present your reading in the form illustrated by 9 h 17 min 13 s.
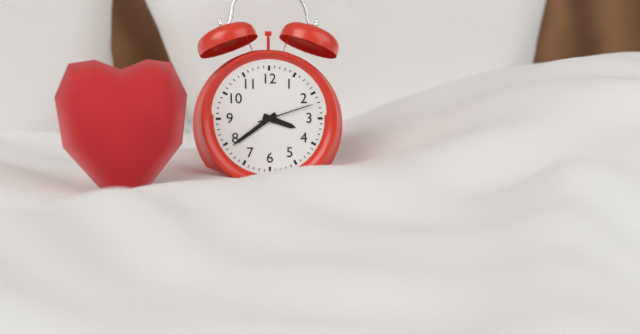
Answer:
3 h 39 min 12 s
